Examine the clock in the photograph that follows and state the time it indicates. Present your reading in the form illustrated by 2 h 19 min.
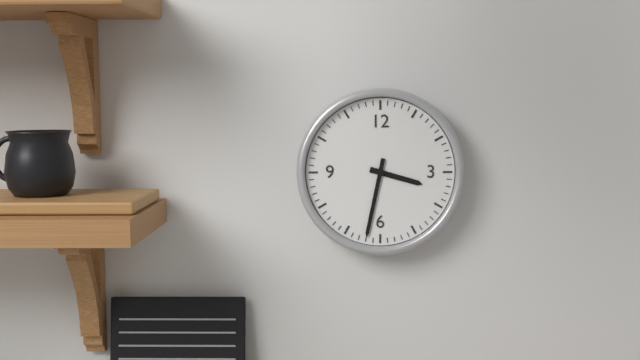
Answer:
3 h 32 min
